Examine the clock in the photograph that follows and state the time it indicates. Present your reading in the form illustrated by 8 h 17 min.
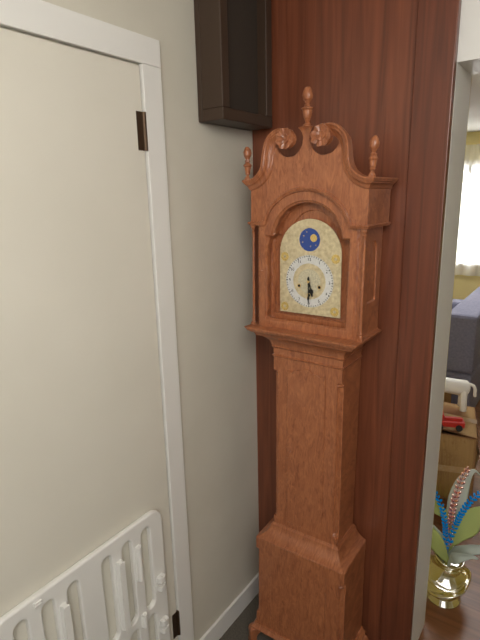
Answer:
5 h 30 min
